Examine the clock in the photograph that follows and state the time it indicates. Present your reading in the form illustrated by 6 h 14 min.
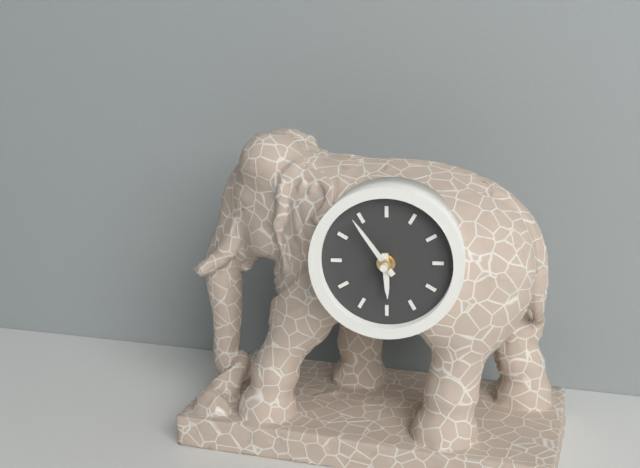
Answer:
5 h 54 min
